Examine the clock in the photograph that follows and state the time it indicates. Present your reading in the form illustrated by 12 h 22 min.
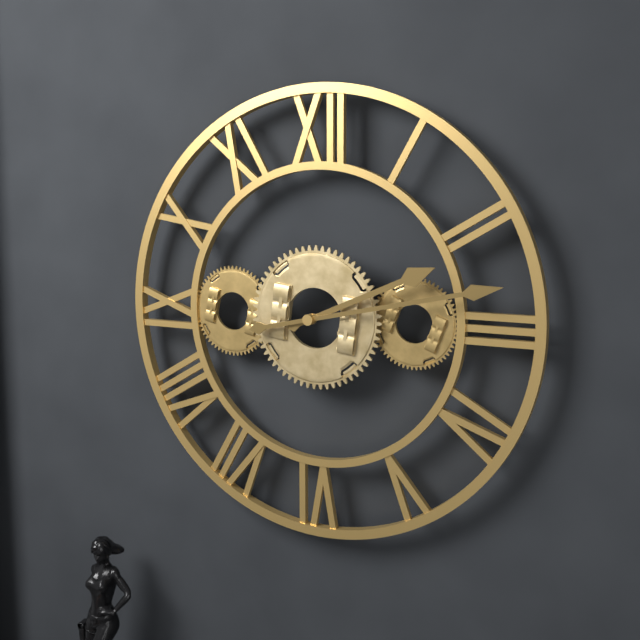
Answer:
2 h 13 min
